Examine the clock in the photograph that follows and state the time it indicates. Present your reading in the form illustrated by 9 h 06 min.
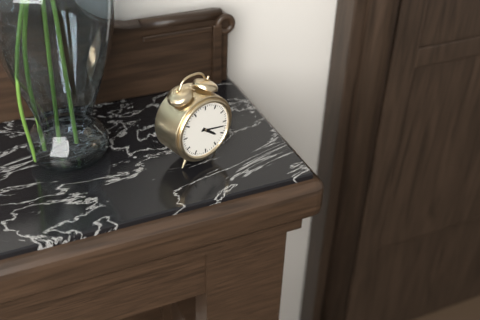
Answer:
4 h 17 min
